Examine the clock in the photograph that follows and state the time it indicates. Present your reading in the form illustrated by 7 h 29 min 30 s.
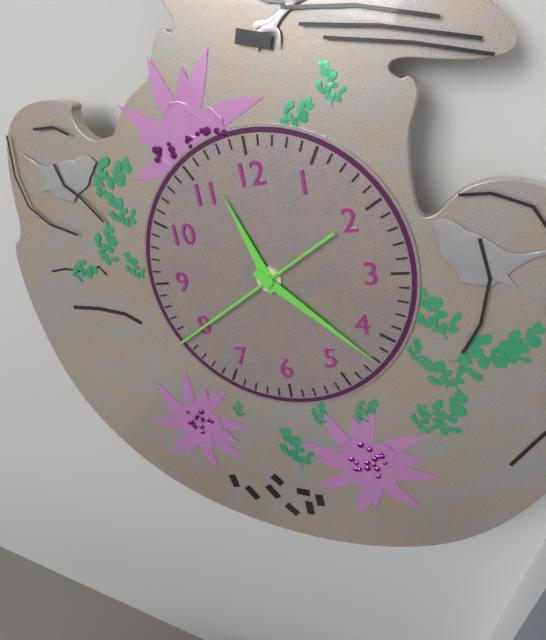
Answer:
11 h 22 min 40 s
